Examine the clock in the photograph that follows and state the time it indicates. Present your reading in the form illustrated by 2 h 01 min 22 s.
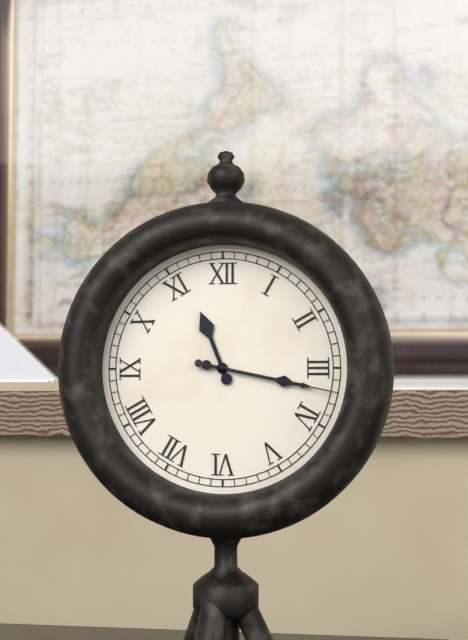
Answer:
11 h 17 min 17 s
